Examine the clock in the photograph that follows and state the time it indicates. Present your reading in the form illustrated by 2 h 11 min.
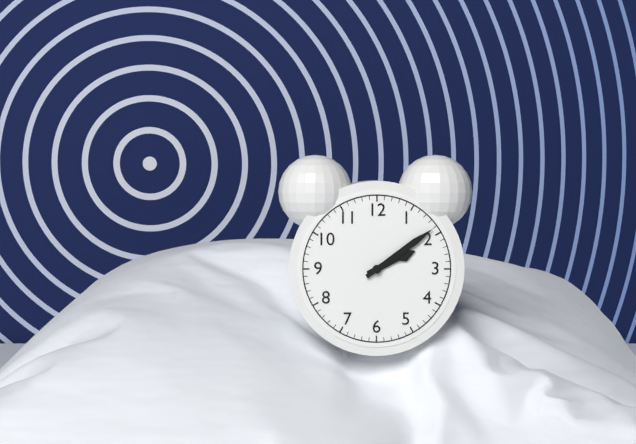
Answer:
2 h 09 min
